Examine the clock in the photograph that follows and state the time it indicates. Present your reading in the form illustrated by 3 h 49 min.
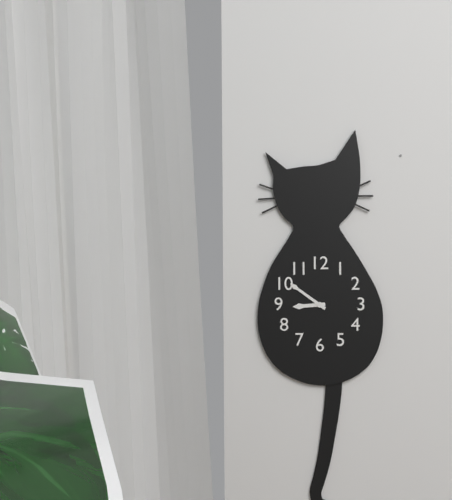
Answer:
8 h 51 min
